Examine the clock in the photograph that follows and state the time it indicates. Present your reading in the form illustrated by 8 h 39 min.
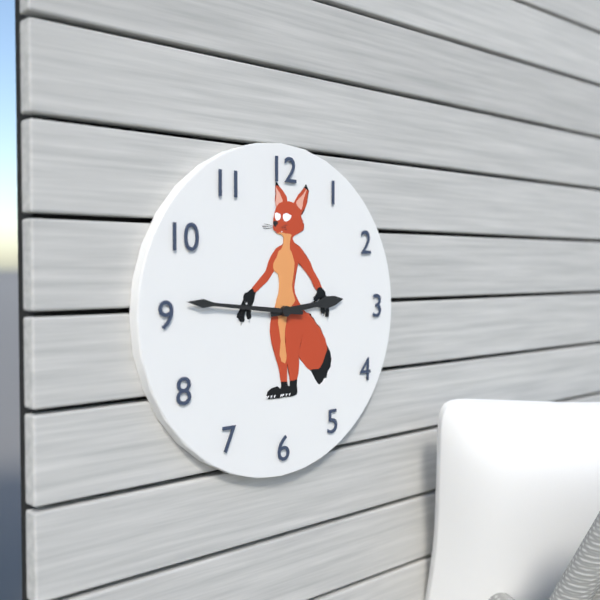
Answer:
2 h 46 min
